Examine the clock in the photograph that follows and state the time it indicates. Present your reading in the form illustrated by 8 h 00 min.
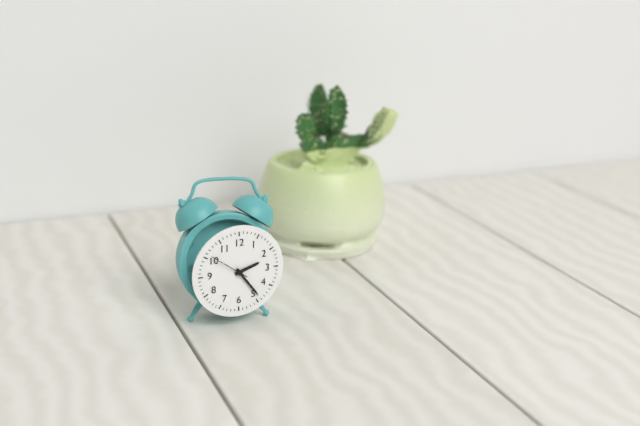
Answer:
2 h 24 min
